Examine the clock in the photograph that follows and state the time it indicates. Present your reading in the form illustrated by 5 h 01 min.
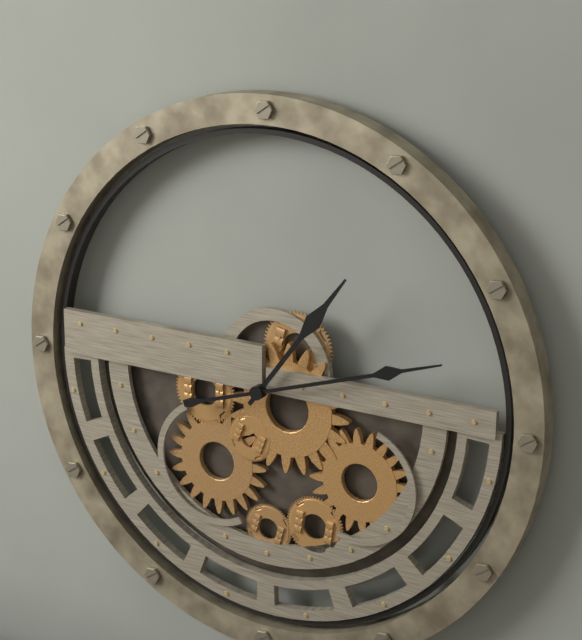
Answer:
1 h 12 min
